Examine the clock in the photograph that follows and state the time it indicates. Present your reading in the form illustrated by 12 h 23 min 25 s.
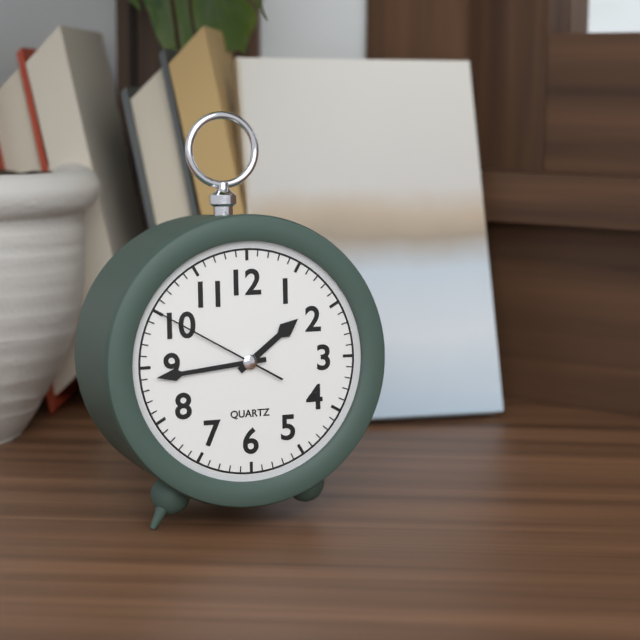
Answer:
1 h 44 min 50 s
